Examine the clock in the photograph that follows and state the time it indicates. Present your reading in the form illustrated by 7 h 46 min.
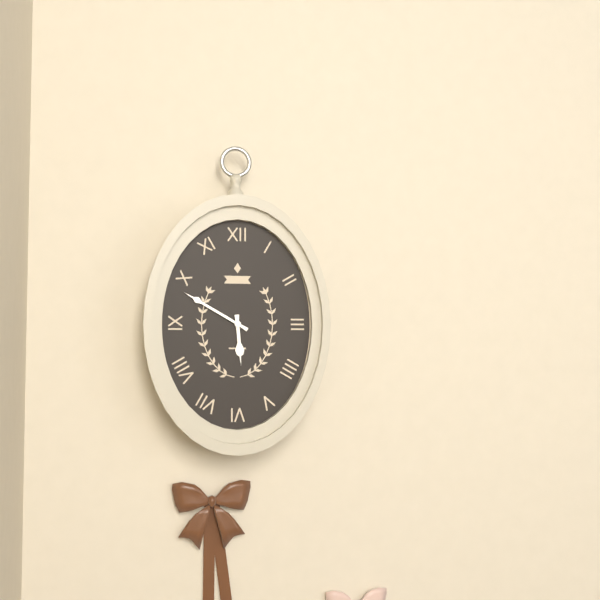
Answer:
5 h 50 min
